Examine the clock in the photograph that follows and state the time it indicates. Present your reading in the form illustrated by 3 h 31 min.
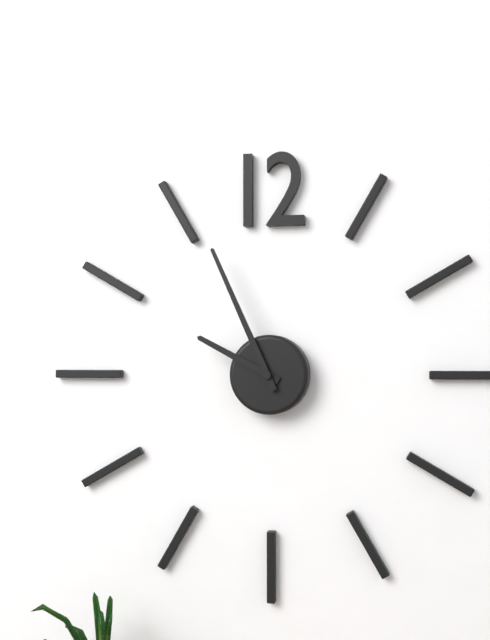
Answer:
9 h 56 min
